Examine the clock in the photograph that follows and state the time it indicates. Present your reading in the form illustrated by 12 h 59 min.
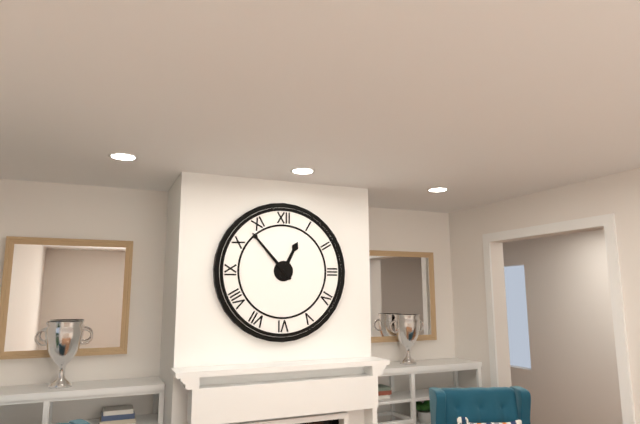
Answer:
12 h 53 min
